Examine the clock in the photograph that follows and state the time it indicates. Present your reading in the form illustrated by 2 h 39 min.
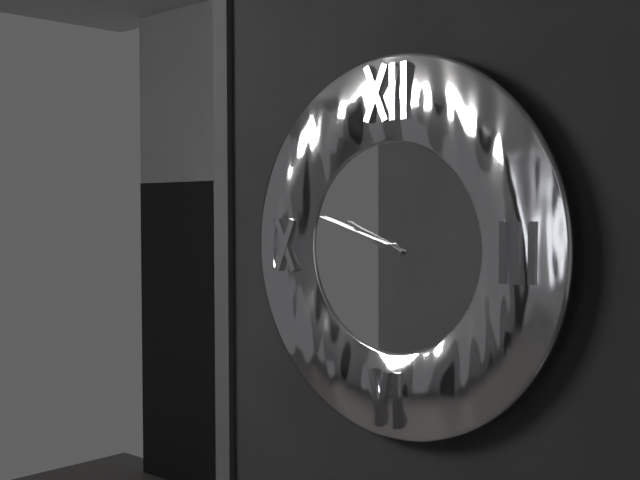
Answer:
9 h 48 min
